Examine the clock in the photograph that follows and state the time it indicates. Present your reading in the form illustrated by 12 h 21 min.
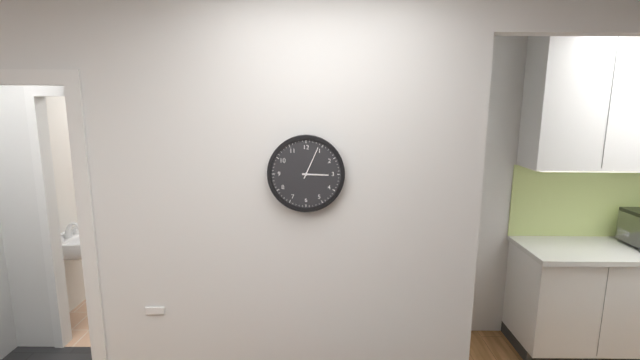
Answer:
3 h 04 min
